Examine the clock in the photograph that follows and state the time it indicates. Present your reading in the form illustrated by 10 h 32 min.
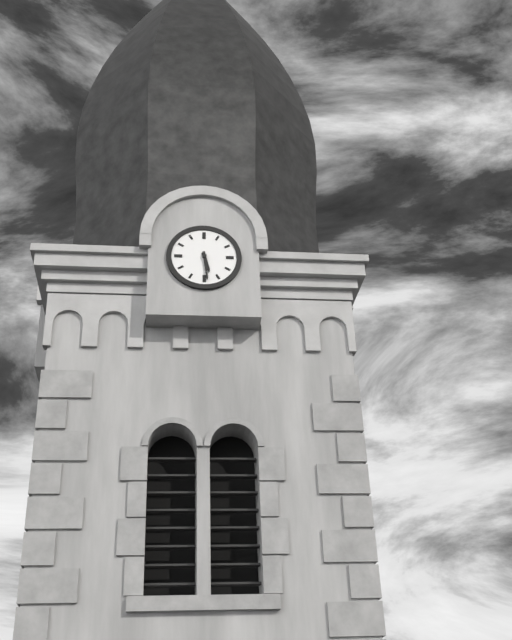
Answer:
5 h 29 min
